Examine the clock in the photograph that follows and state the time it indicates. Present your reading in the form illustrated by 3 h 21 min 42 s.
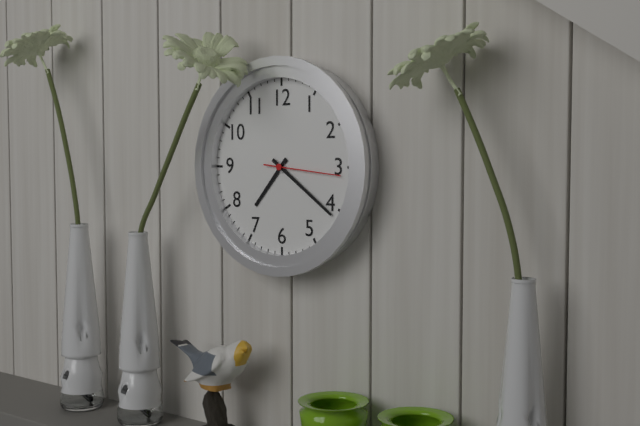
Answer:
7 h 21 min 16 s
